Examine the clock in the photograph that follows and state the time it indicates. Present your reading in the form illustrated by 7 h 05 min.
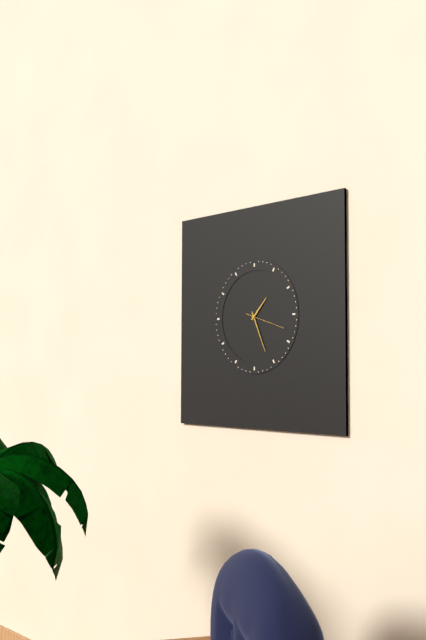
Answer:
1 h 26 min
